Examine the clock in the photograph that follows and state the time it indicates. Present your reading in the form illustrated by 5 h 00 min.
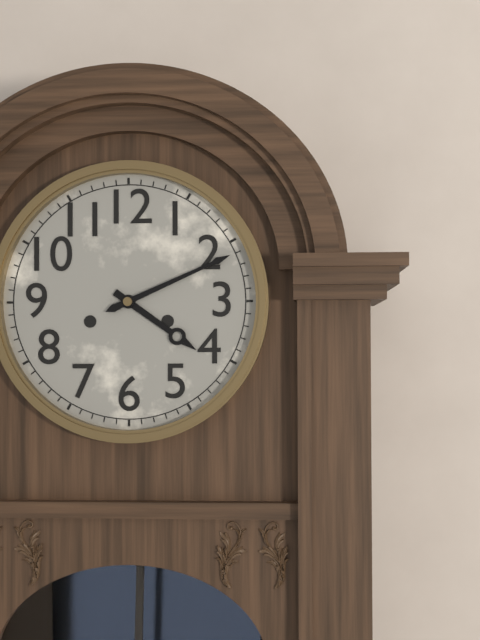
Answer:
4 h 11 min
